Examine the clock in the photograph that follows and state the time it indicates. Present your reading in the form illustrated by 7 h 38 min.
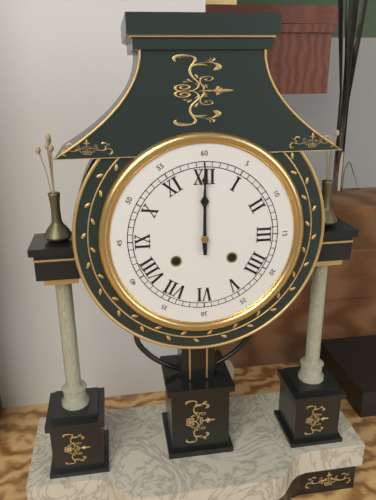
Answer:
12 h 00 min
